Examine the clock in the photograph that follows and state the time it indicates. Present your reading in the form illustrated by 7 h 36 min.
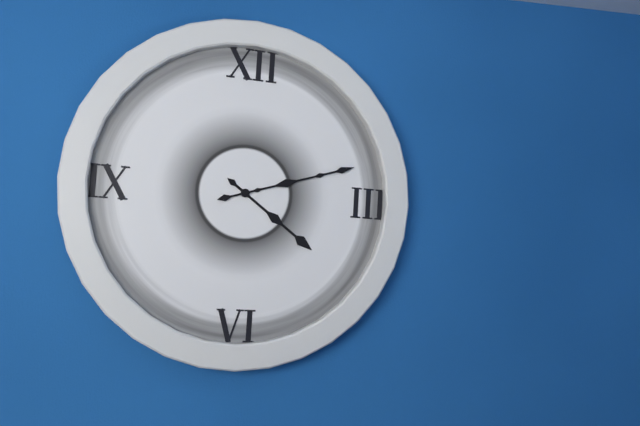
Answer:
4 h 12 min
